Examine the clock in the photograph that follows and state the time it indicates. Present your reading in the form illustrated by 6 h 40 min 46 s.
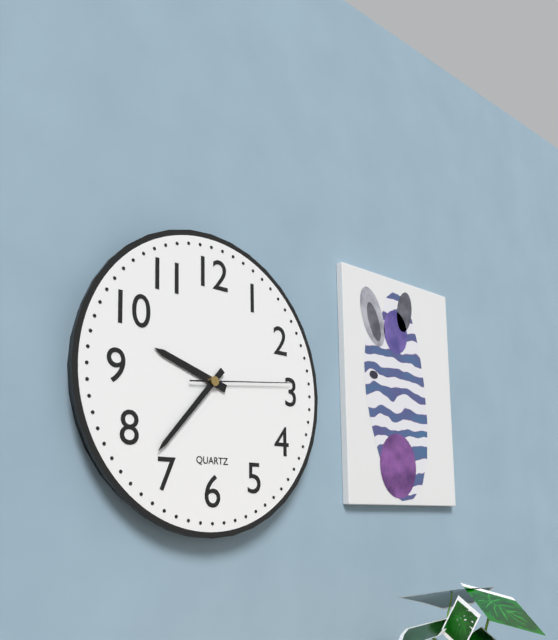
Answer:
9 h 37 min 14 s
